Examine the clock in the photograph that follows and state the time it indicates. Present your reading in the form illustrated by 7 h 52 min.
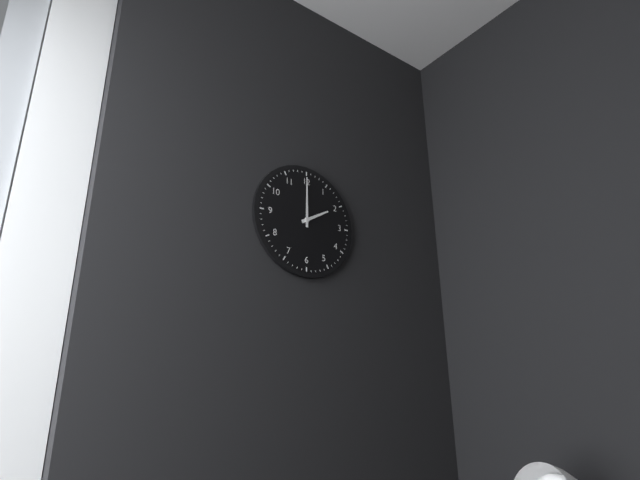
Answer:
2 h 00 min
